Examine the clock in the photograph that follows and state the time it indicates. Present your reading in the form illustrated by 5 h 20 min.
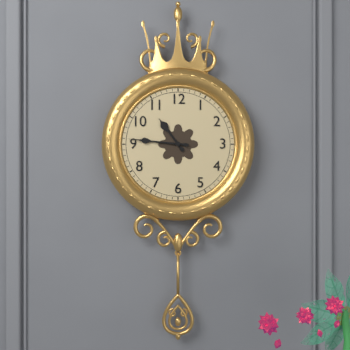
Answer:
10 h 46 min
